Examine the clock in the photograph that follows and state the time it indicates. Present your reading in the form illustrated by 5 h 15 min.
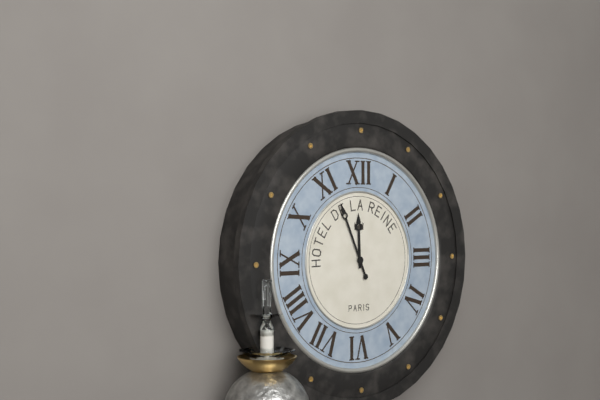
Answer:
11 h 56 min
